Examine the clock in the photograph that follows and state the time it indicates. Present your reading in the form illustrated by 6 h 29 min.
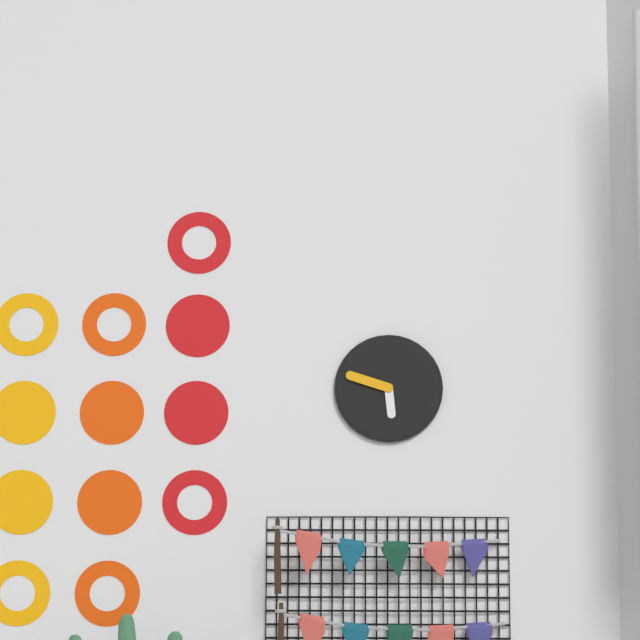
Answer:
5 h 48 min
